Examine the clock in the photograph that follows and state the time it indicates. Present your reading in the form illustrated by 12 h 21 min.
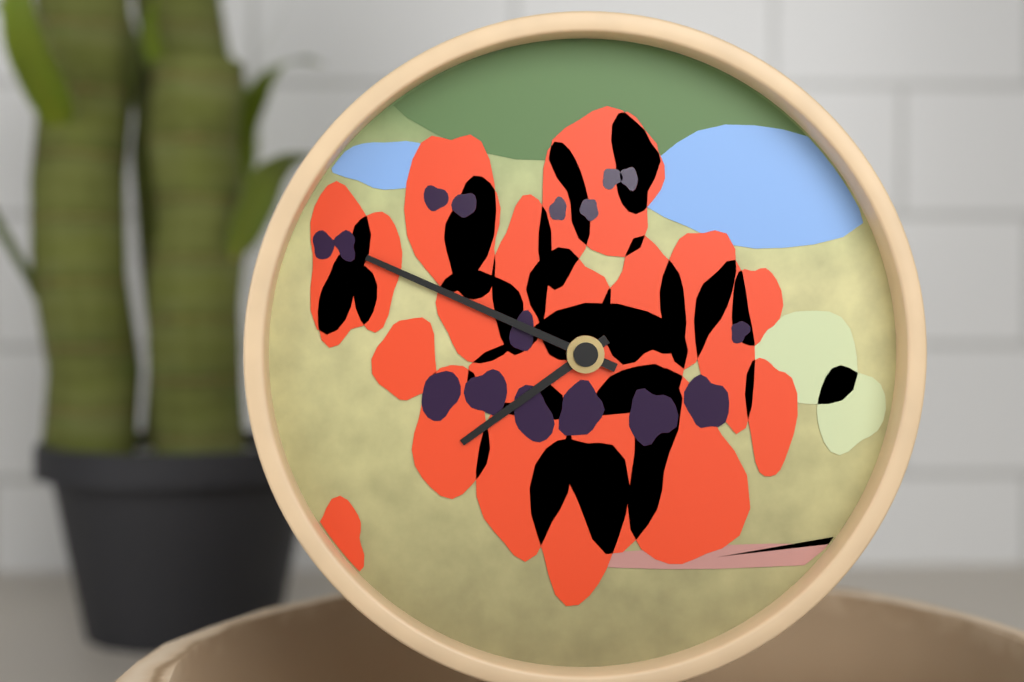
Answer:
7 h 49 min
